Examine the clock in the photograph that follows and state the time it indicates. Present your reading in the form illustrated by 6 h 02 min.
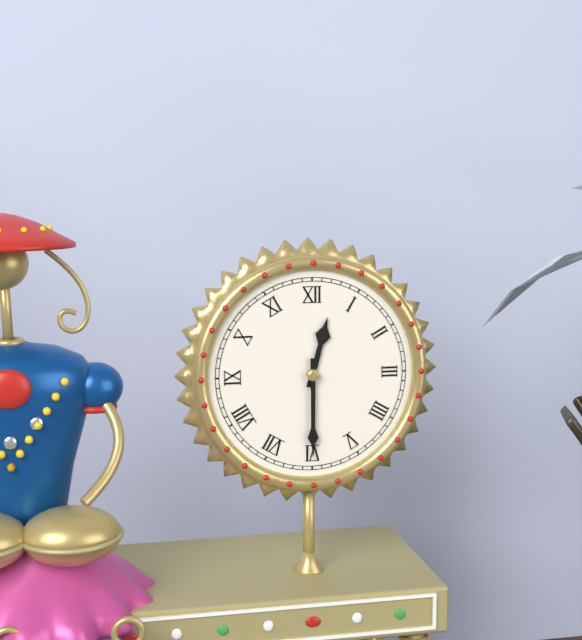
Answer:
12 h 30 min
